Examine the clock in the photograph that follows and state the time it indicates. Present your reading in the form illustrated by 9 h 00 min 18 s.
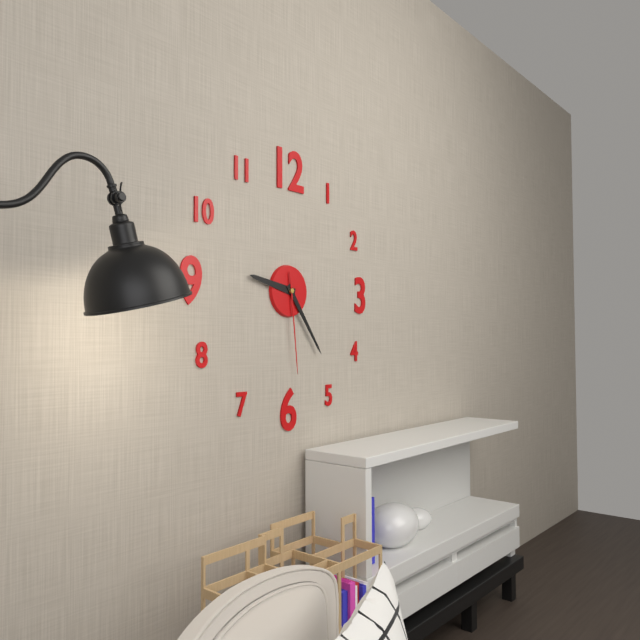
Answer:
9 h 24 min 29 s
